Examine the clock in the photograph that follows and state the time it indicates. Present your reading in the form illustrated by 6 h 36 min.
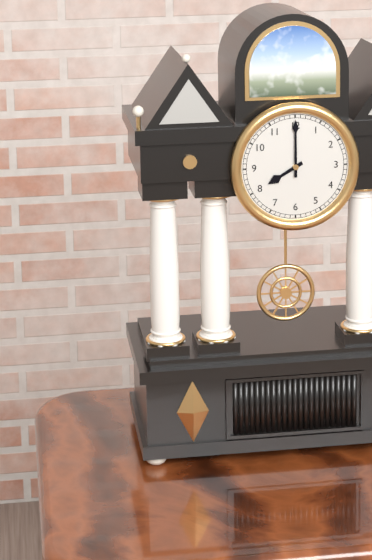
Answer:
8 h 00 min
